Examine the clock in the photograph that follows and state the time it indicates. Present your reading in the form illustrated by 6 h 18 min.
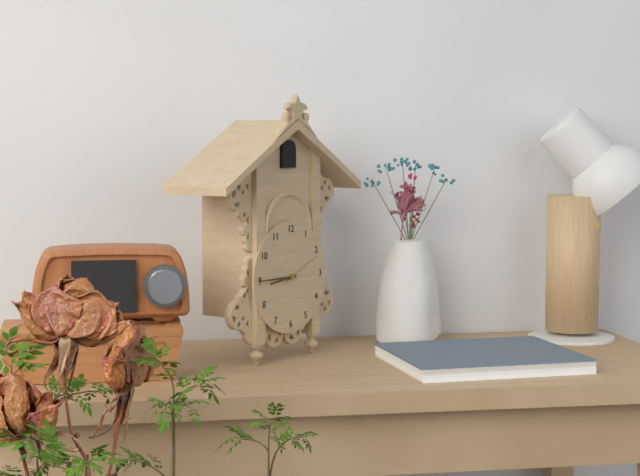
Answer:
8 h 45 min
